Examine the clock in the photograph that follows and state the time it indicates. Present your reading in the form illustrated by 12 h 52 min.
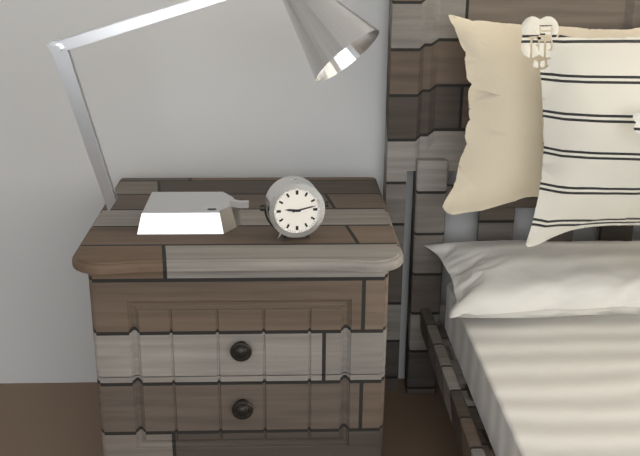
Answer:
9 h 13 min
